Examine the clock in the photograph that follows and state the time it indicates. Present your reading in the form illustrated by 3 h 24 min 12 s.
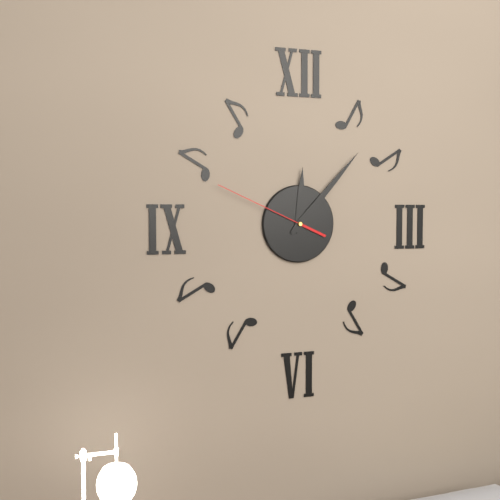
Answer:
12 h 07 min 49 s
